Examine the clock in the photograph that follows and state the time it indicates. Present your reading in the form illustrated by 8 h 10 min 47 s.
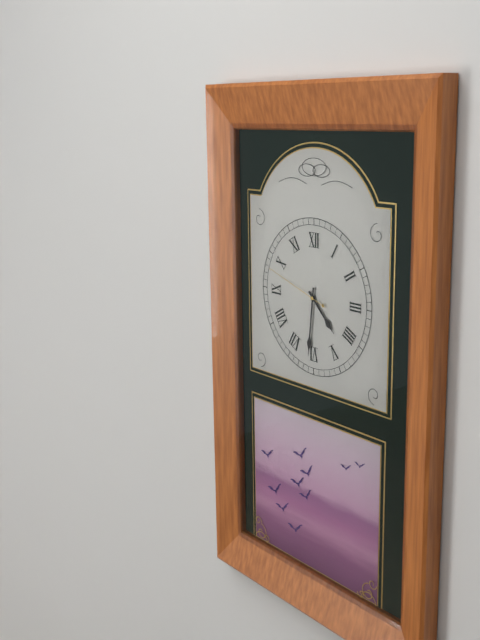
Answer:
4 h 31 min 48 s
